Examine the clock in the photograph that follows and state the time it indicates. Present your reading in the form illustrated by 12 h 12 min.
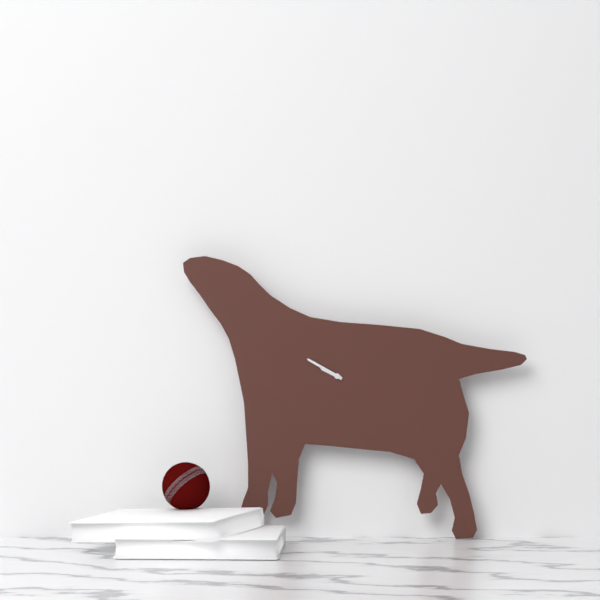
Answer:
9 h 50 min
